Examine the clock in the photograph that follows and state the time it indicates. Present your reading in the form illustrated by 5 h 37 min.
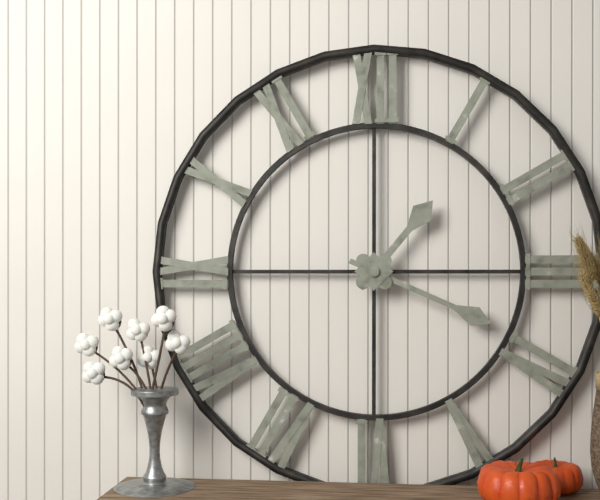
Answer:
1 h 19 min
